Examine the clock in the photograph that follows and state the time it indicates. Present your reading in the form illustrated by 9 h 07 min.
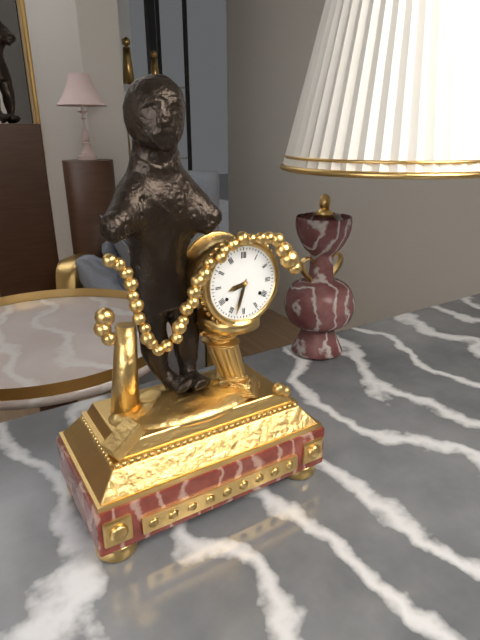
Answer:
8 h 33 min
